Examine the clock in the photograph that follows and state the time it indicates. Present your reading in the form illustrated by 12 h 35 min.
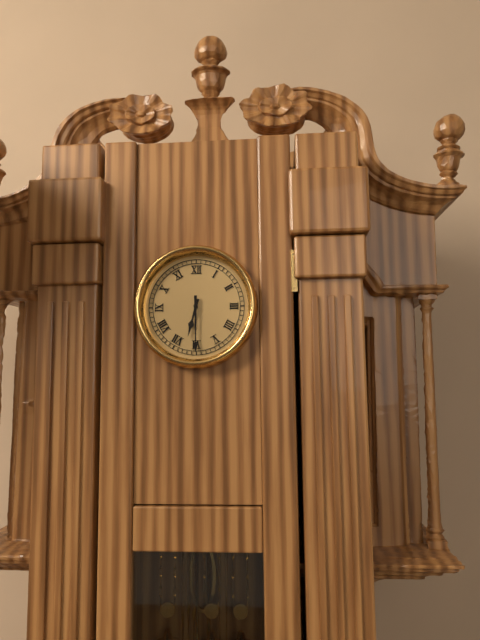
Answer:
6 h 30 min
